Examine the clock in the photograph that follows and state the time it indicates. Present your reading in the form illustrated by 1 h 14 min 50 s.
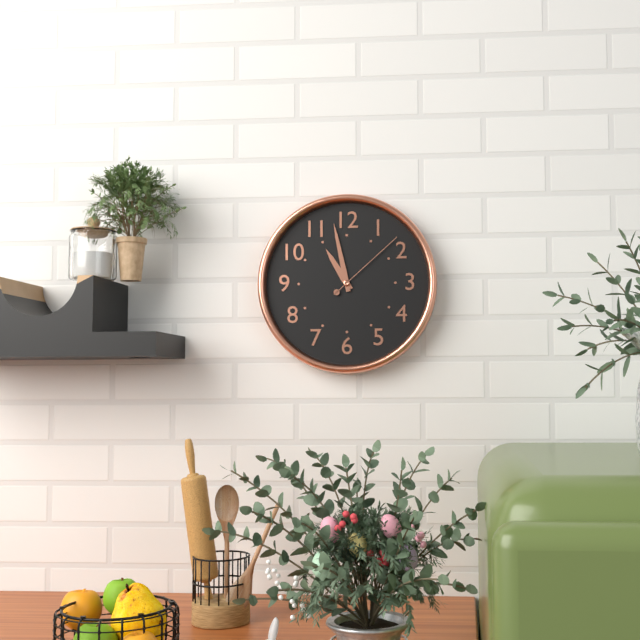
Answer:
10 h 58 min 08 s
